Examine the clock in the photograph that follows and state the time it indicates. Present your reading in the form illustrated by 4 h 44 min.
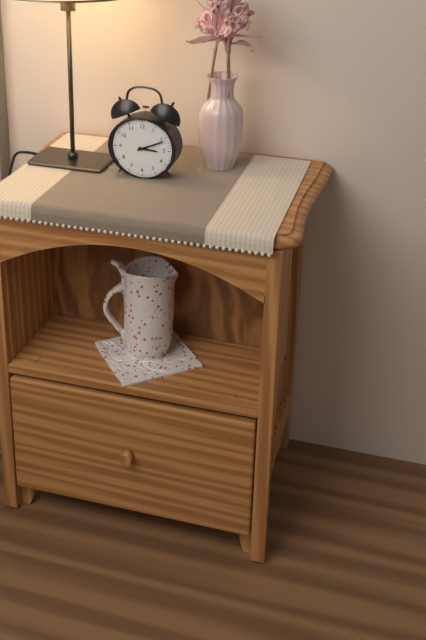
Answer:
3 h 11 min
